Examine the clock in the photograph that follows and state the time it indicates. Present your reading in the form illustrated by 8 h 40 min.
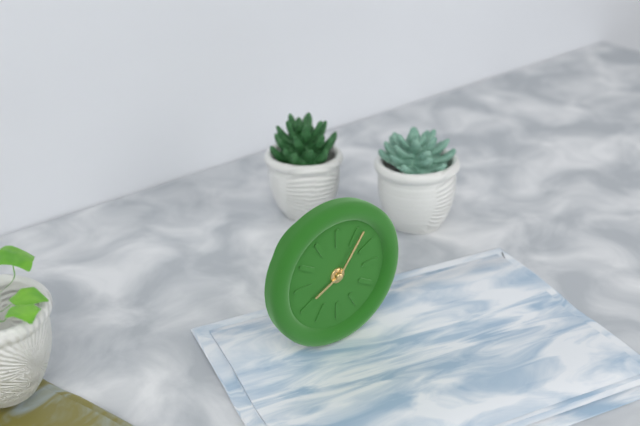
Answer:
8 h 06 min
